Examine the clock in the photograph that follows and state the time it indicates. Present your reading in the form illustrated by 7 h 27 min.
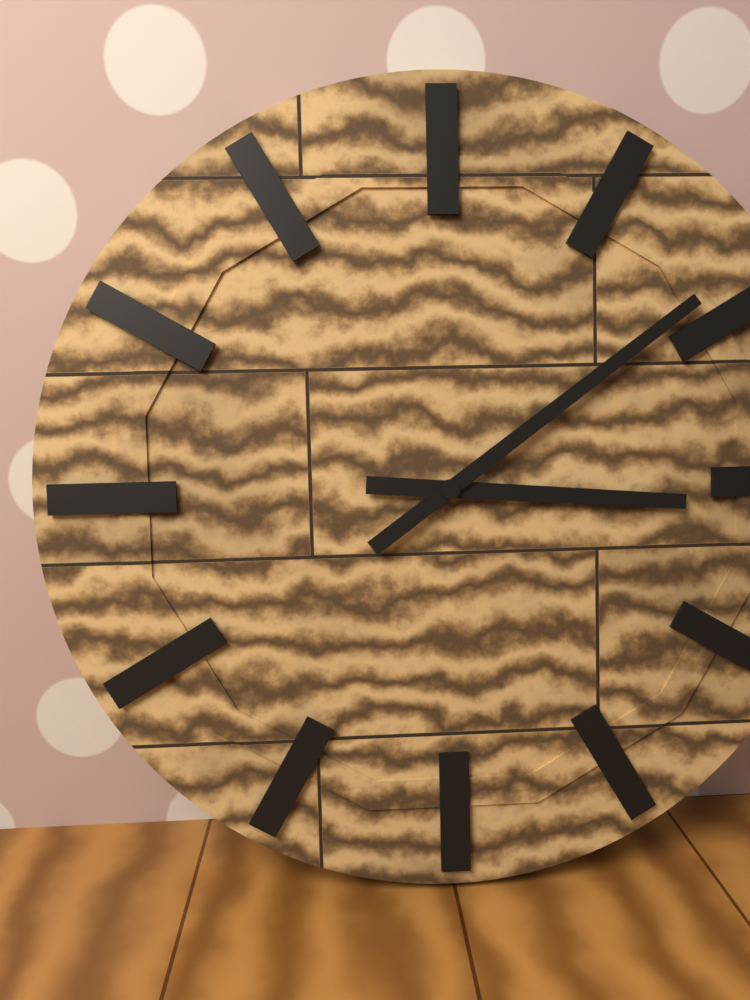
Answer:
3 h 09 min
